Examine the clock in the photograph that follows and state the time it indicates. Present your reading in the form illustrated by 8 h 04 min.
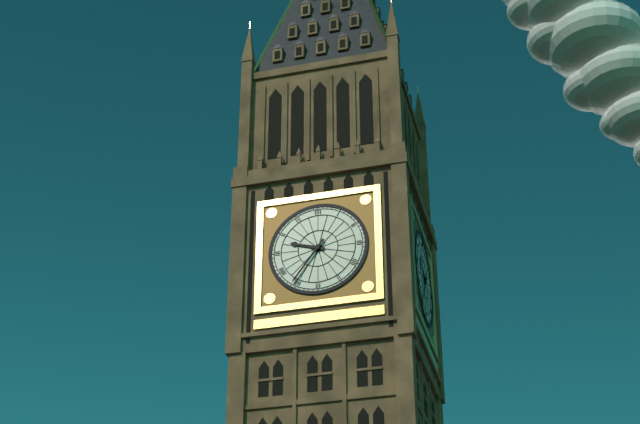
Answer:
9 h 36 min
